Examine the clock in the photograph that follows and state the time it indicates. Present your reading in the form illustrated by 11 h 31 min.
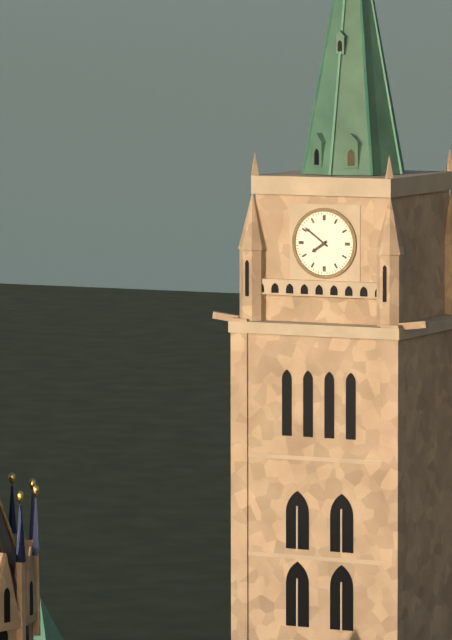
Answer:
7 h 51 min
